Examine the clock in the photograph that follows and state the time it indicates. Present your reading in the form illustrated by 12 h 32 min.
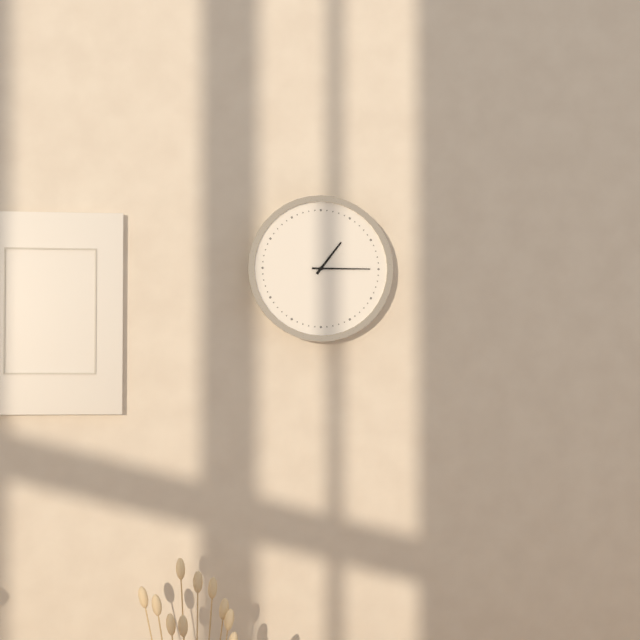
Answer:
1 h 15 min
